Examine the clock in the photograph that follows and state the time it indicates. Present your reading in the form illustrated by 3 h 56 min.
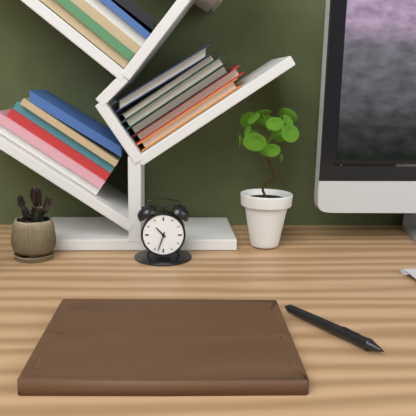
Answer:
10 h 33 min
